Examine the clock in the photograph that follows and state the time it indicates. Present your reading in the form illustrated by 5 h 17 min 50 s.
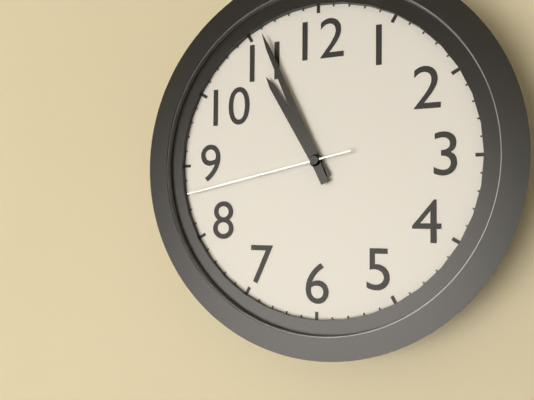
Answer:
10 h 56 min 43 s
